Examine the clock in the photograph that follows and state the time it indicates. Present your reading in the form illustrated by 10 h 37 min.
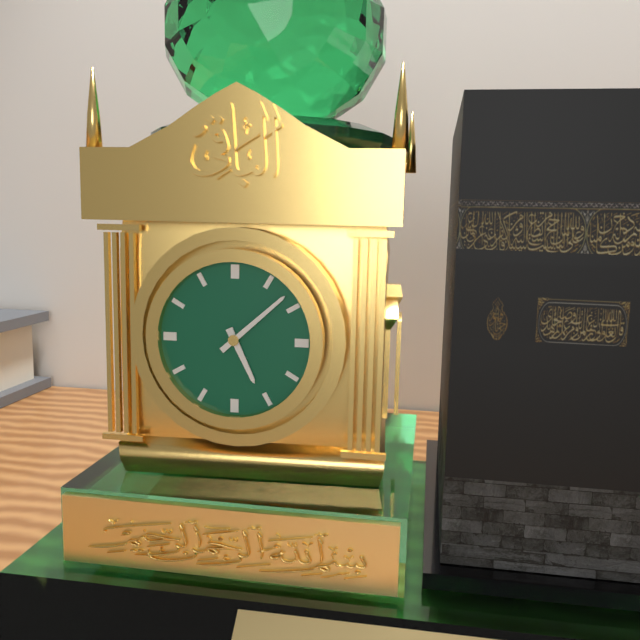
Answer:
5 h 08 min
